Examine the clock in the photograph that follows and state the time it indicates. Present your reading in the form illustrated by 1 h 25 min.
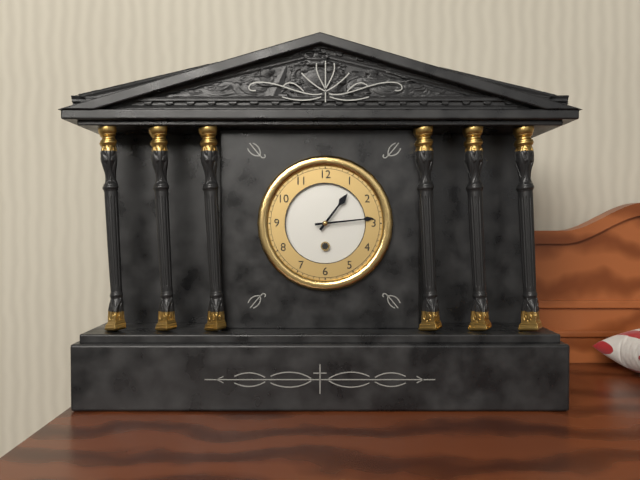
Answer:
1 h 14 min
